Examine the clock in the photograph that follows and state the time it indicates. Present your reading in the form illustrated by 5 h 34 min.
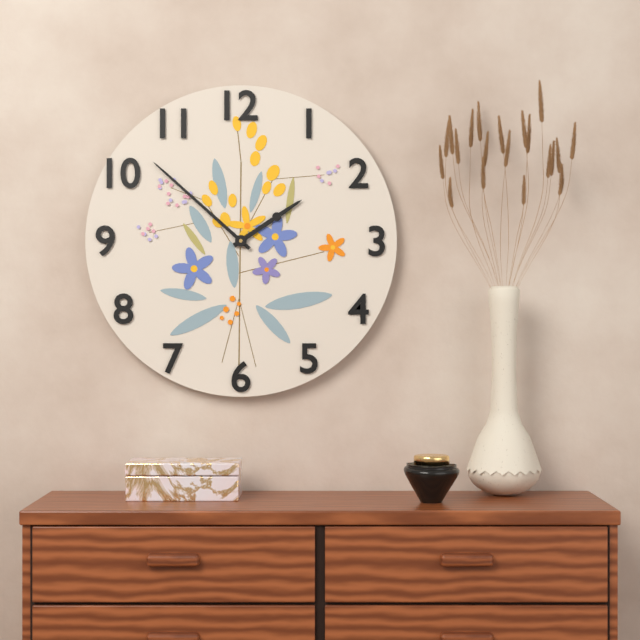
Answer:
1 h 52 min
